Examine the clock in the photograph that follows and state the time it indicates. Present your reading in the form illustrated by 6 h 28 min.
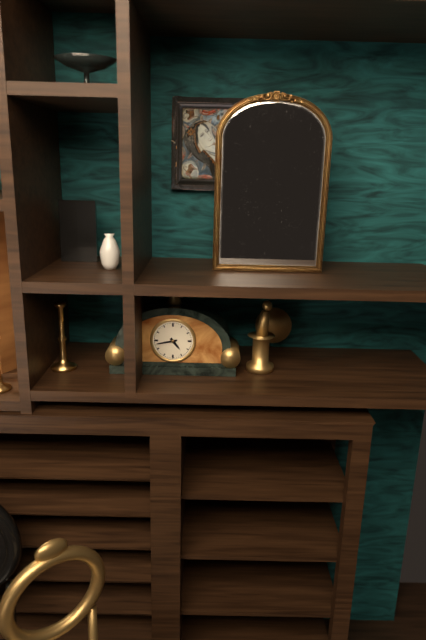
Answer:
4 h 43 min
